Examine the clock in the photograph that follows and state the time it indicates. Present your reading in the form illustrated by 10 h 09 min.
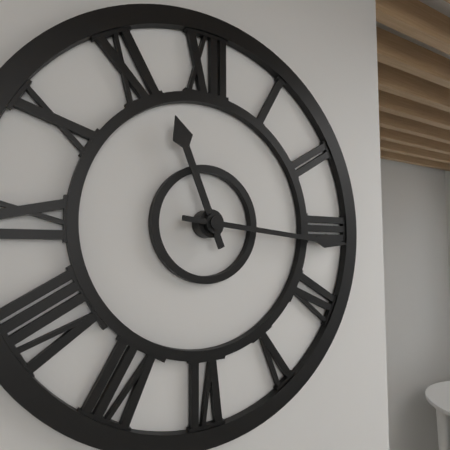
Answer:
11 h 16 min
